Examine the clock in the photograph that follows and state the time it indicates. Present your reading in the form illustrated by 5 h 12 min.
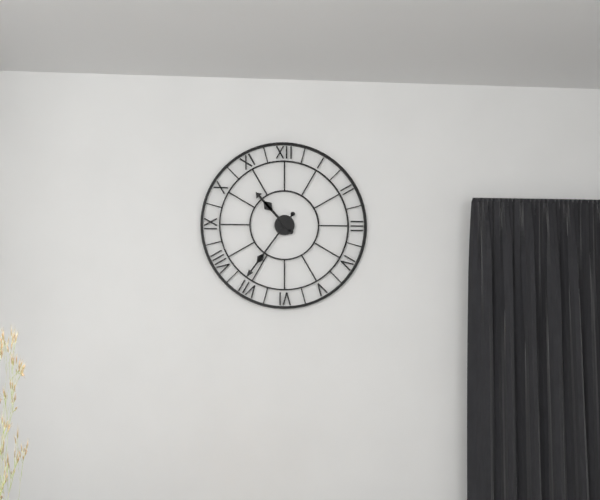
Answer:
10 h 36 min
